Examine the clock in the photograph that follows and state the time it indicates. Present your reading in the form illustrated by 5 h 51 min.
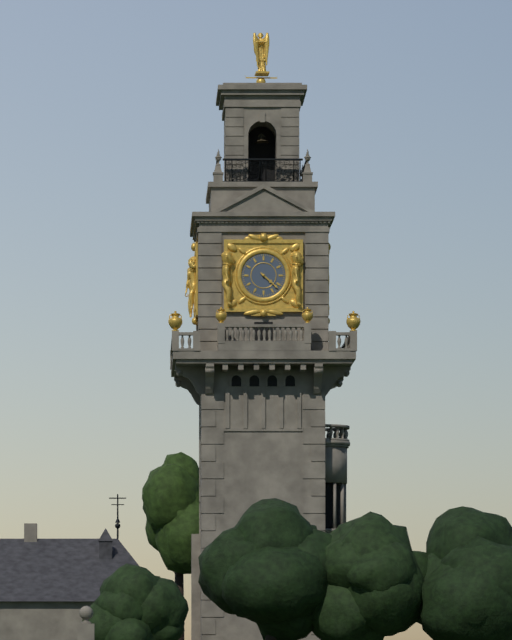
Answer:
4 h 22 min
